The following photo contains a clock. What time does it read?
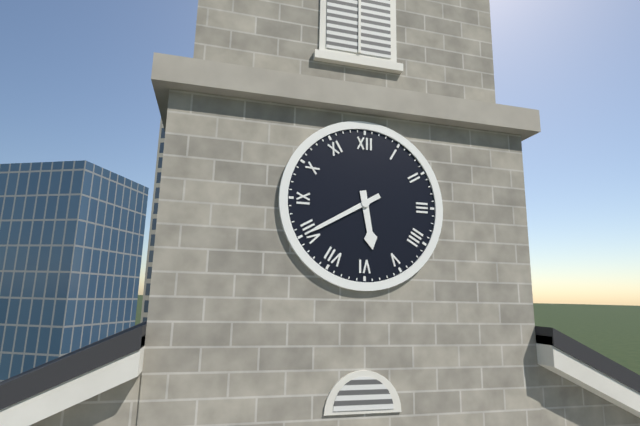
5:40
